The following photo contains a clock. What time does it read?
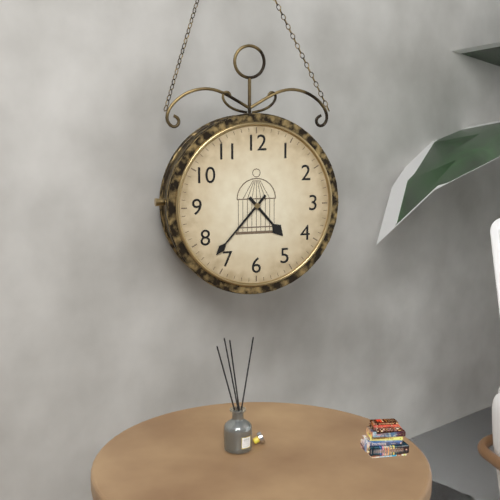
4:37
